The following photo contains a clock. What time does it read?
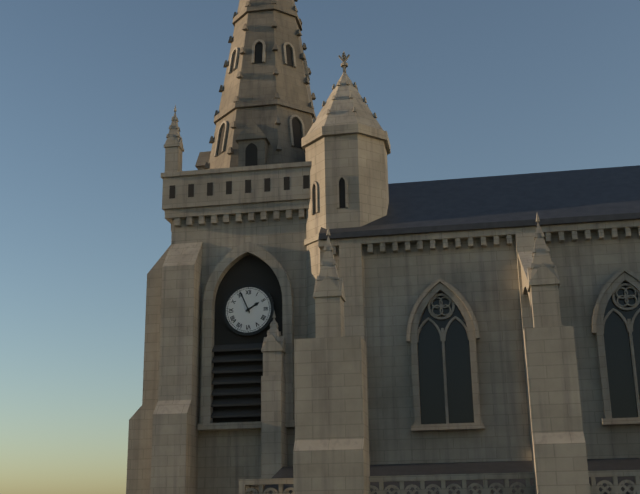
1:56
